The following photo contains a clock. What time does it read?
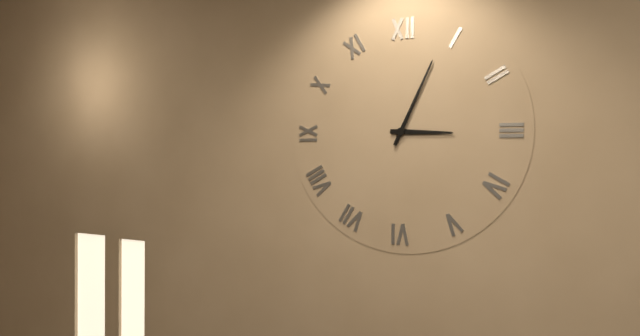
3:04
